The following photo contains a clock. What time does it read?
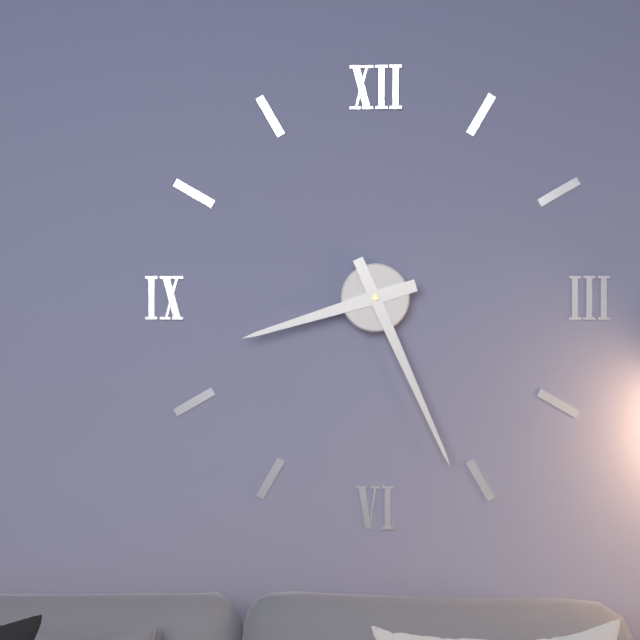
8:26
